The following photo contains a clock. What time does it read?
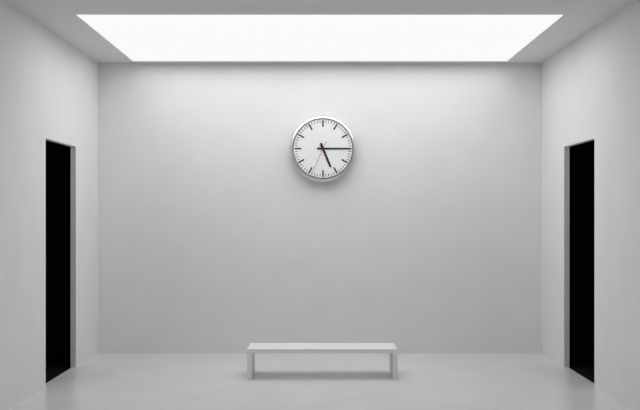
5:15
